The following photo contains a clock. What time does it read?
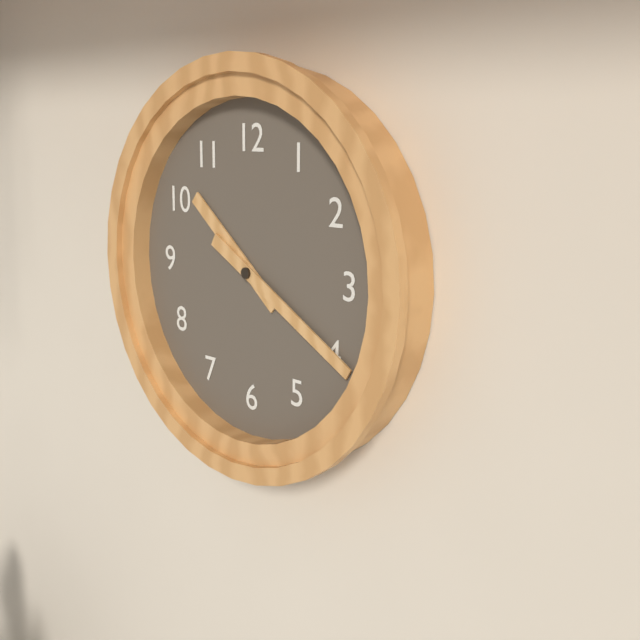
10:20
